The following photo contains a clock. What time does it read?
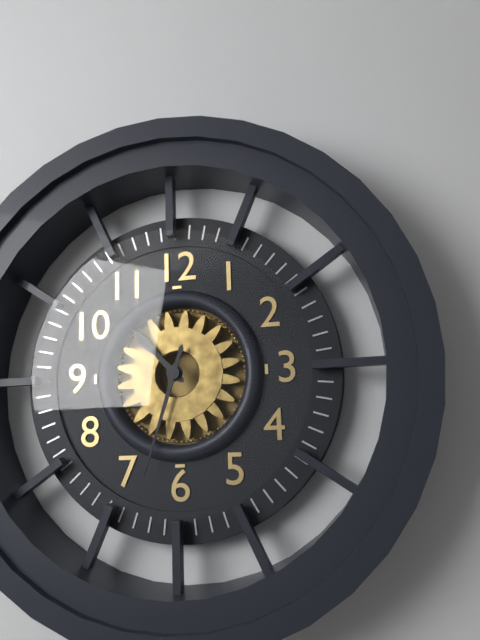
10:33
